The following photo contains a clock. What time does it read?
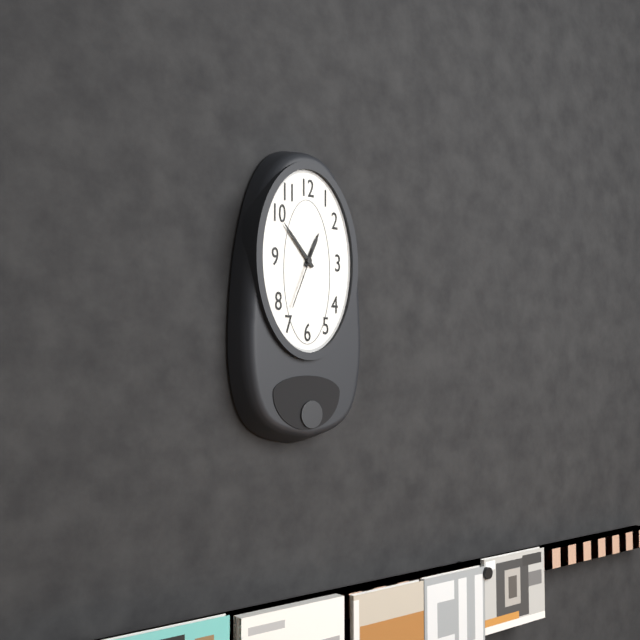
12:53:34
